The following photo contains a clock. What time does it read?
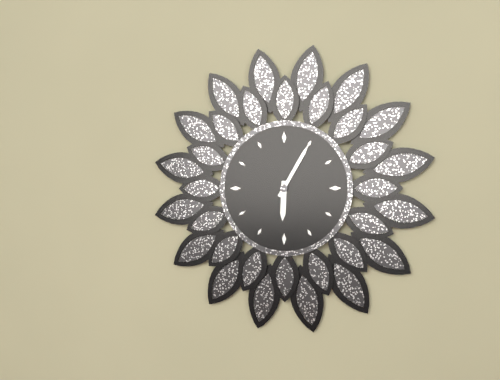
6:05
